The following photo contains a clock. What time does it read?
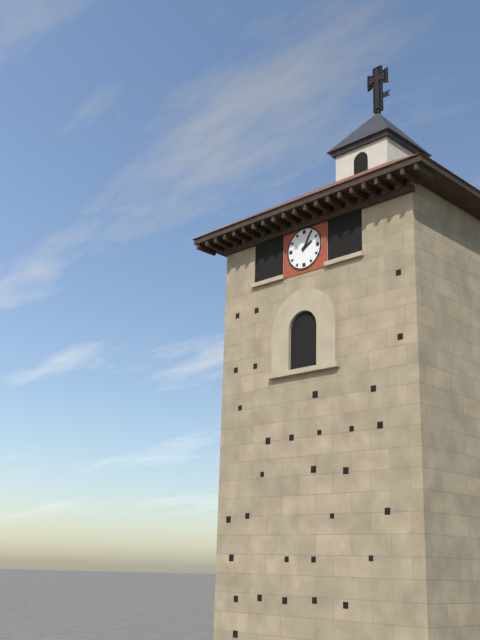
2:05
